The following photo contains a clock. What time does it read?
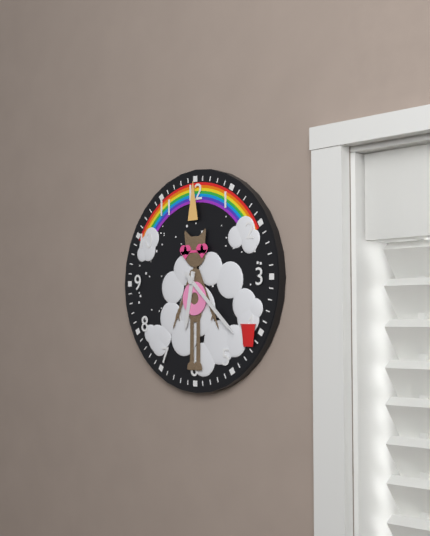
6:22
